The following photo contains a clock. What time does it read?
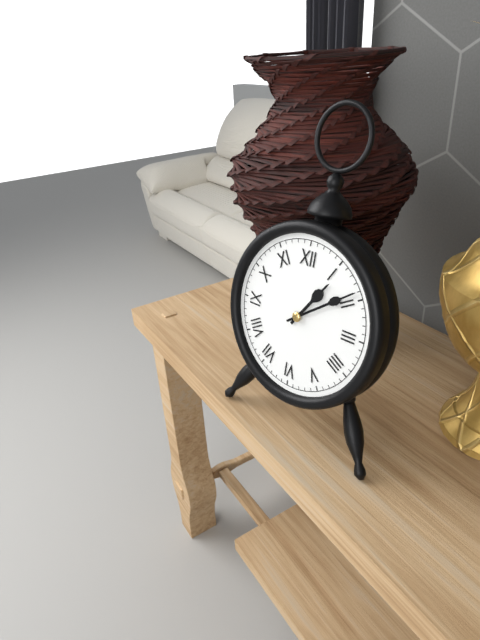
1:09
